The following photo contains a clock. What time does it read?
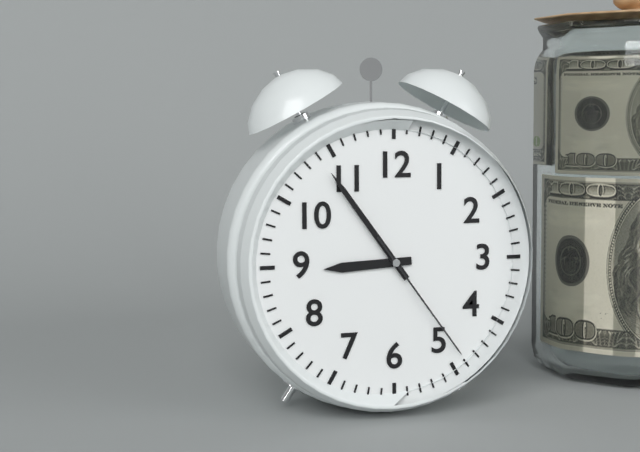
8:54:24
